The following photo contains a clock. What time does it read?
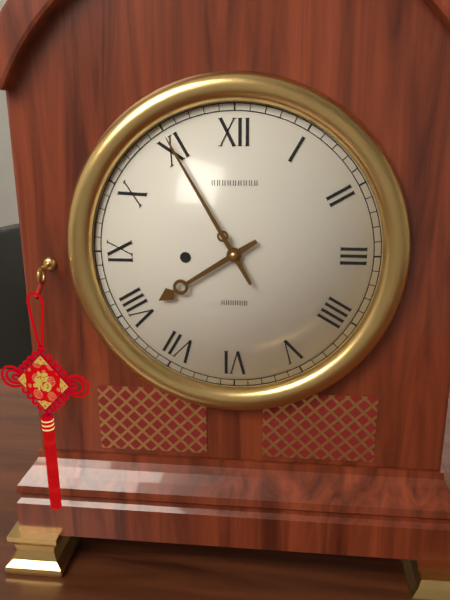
7:55
